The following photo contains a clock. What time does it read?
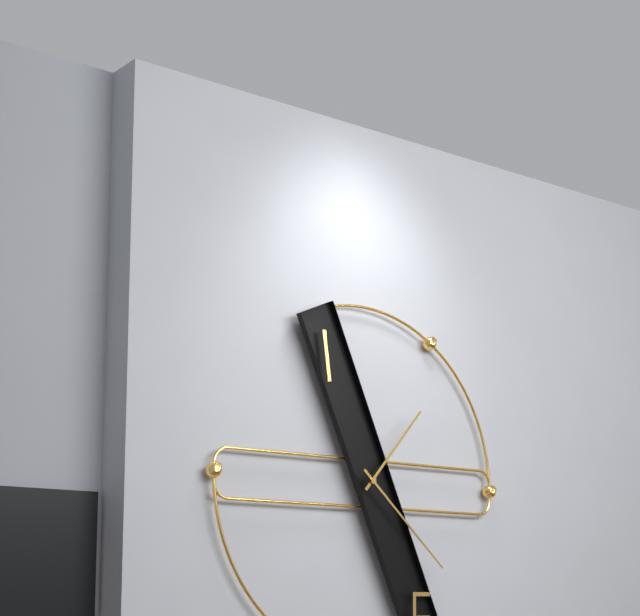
1:22
